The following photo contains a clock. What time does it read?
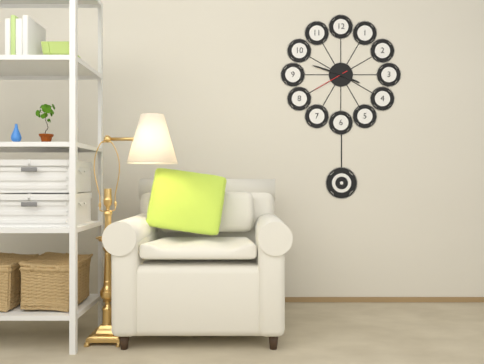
3:48
